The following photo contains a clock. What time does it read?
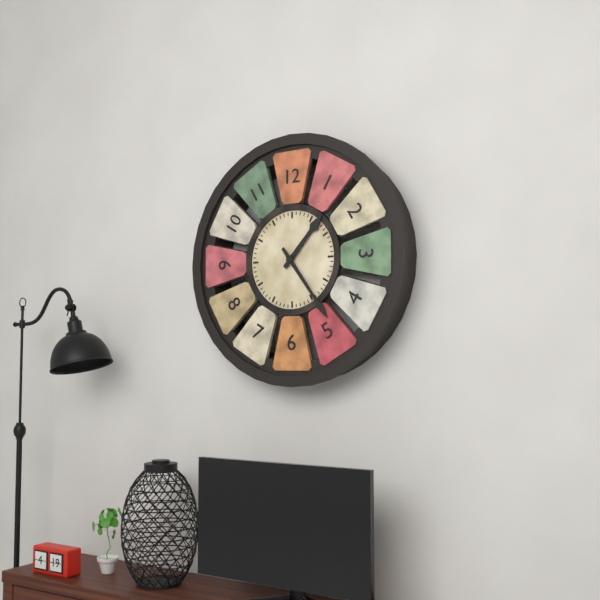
1:24
